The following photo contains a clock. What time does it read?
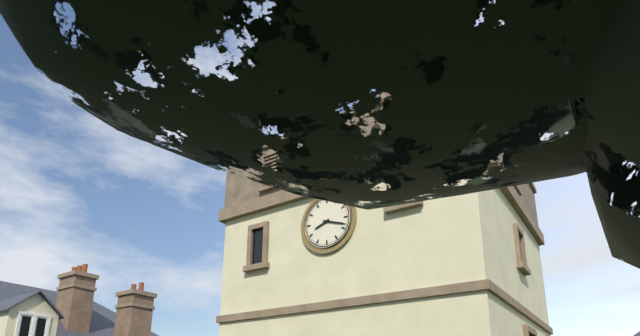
8:18
